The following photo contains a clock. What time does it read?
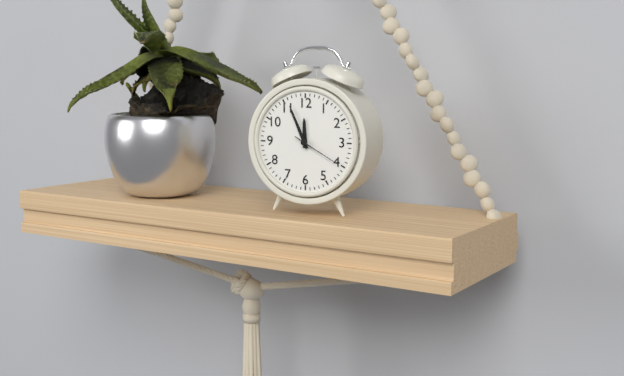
11:56:20
